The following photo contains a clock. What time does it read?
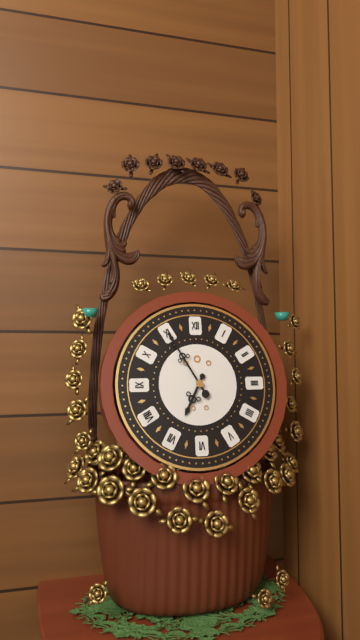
6:55
